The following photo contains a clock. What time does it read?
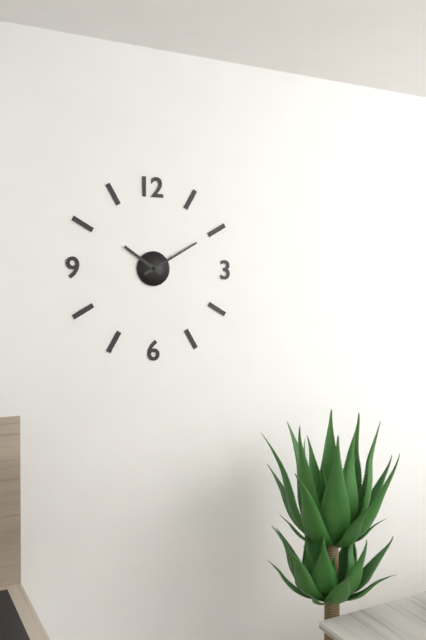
10:10
